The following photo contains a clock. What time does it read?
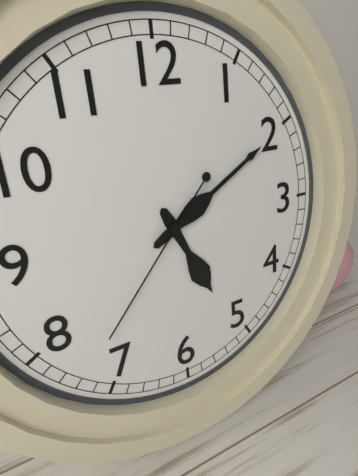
5:10:37
